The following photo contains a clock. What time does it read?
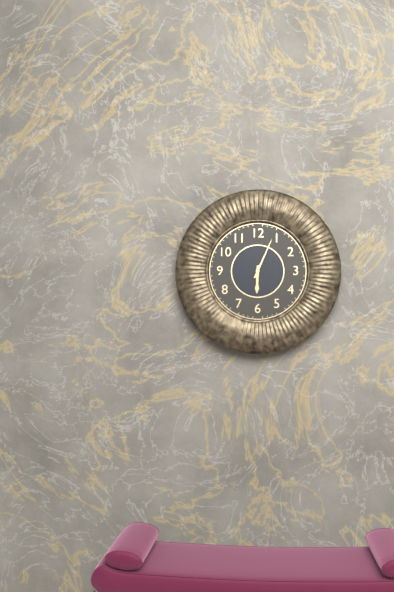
6:04
